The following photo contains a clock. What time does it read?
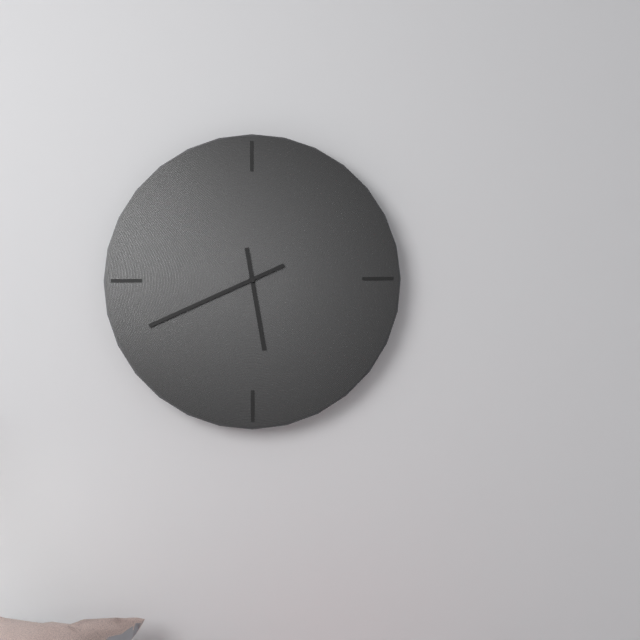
5:41
